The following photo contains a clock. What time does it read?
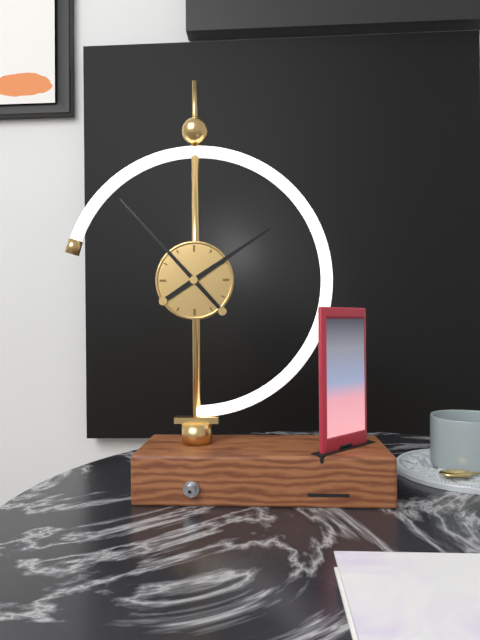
1:53
